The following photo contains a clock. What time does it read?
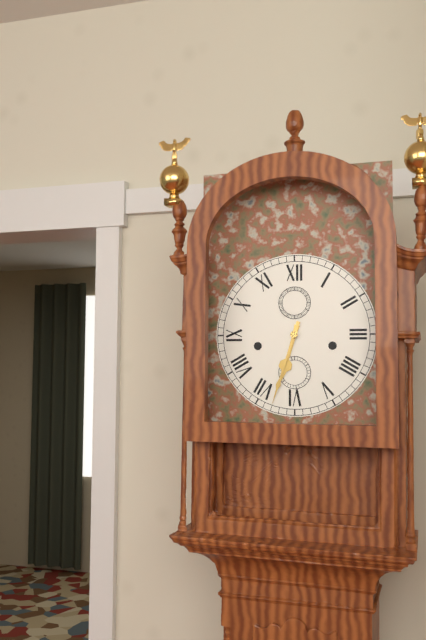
6:33
